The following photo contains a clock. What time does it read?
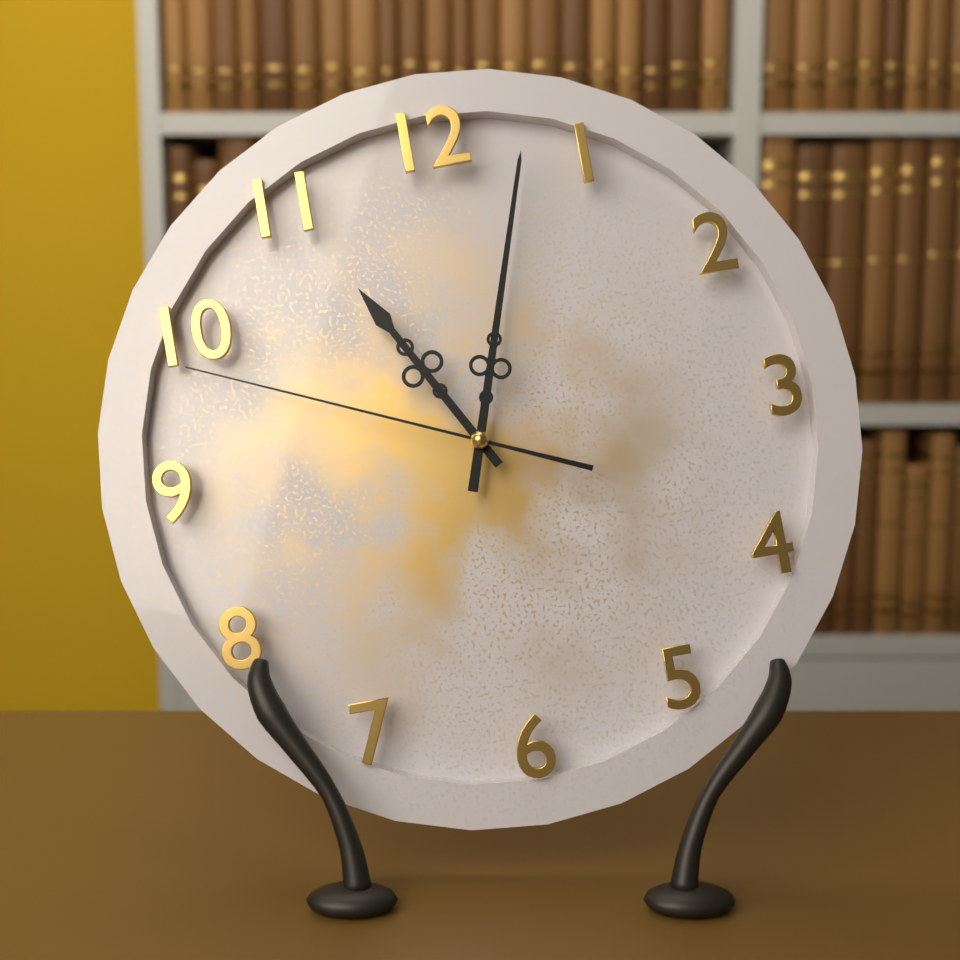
11:03:49
